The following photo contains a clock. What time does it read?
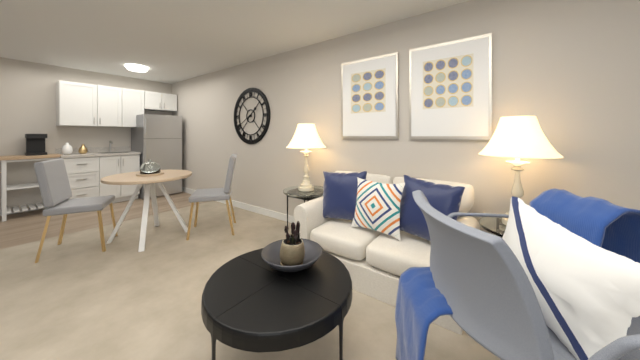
1:40
